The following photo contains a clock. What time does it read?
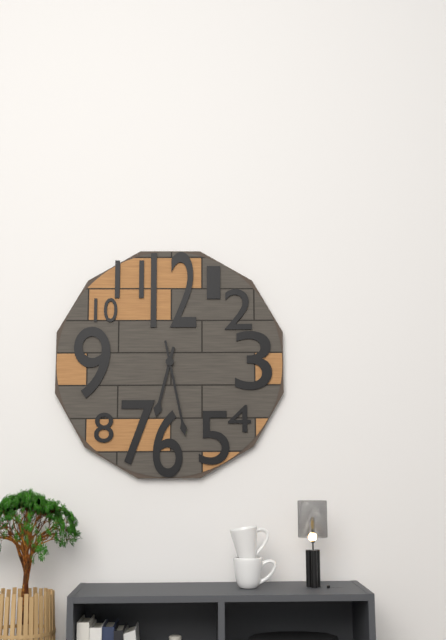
6:28
